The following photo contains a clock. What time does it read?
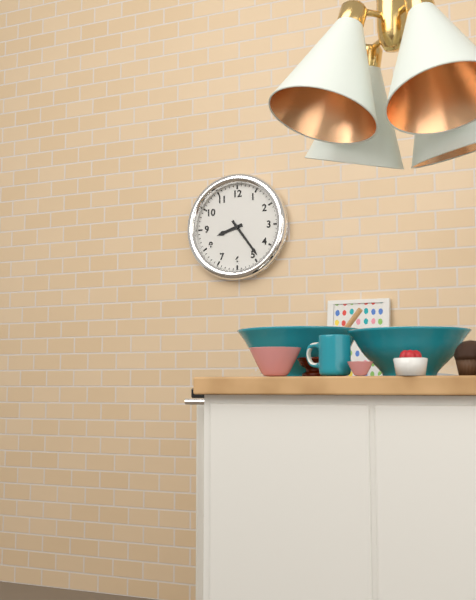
8:24
